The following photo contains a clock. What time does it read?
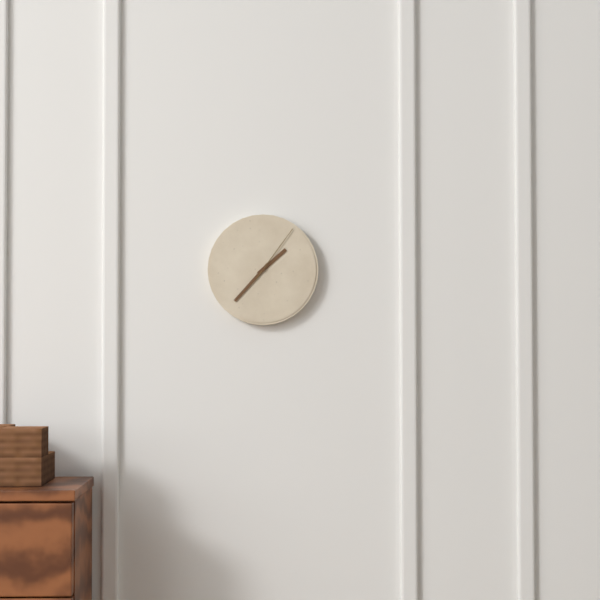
1:37:06
